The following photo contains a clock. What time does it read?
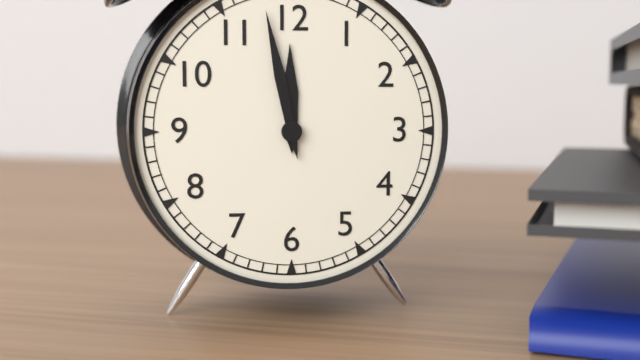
11:58
